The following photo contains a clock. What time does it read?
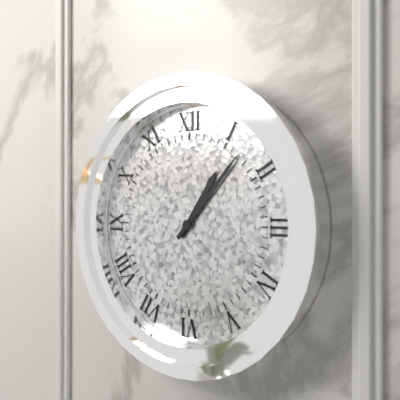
1:07
